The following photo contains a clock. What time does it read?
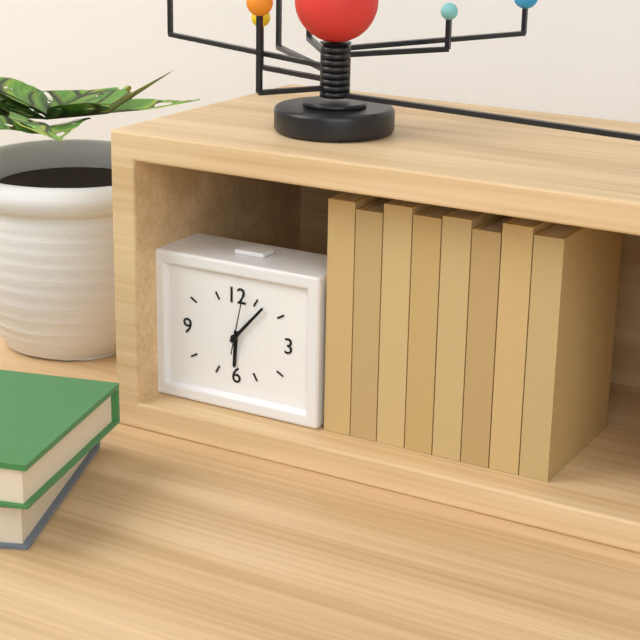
6:07:02
